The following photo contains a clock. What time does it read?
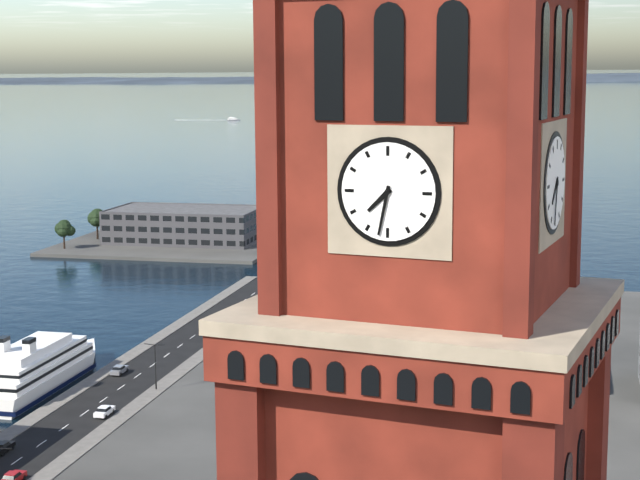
7:32
